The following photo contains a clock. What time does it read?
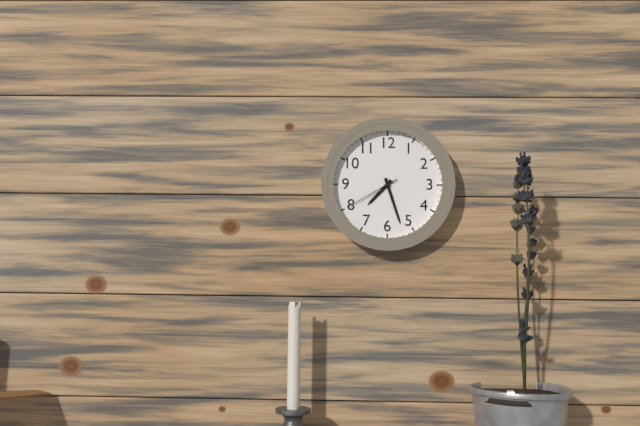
7:27:40
